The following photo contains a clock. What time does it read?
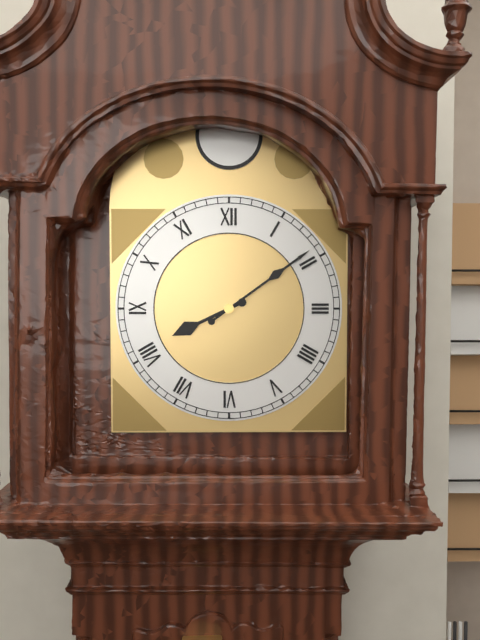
8:09
